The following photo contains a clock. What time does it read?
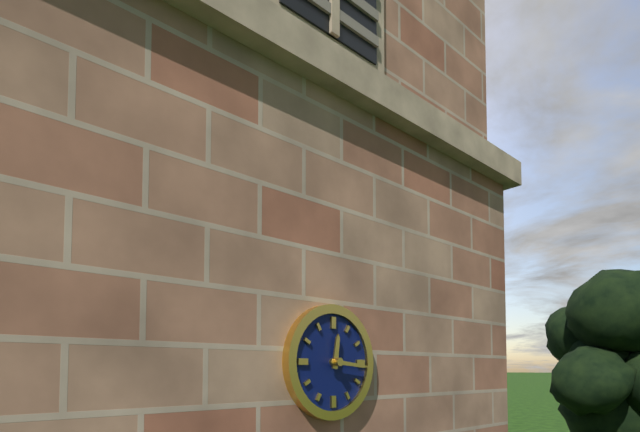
12:16
